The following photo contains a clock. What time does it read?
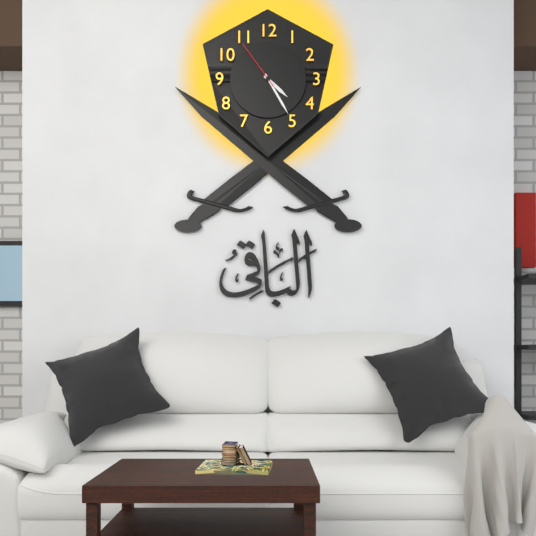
4:25:54
